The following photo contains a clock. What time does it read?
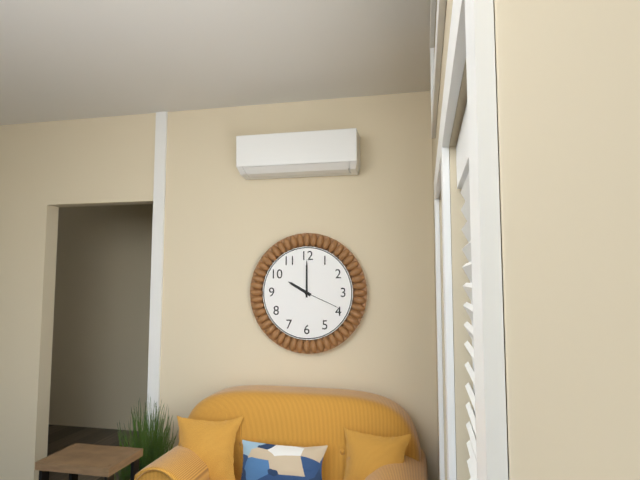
10:00
